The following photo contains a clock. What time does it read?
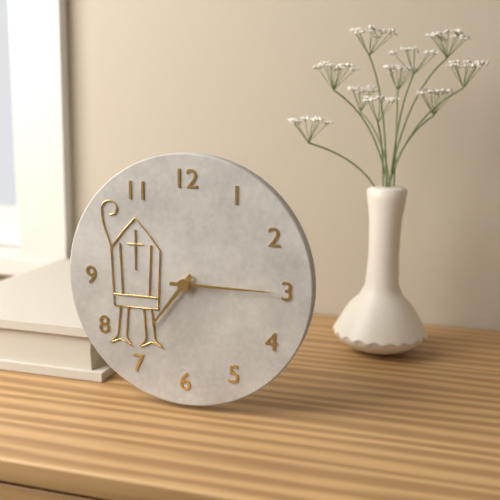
7:15
